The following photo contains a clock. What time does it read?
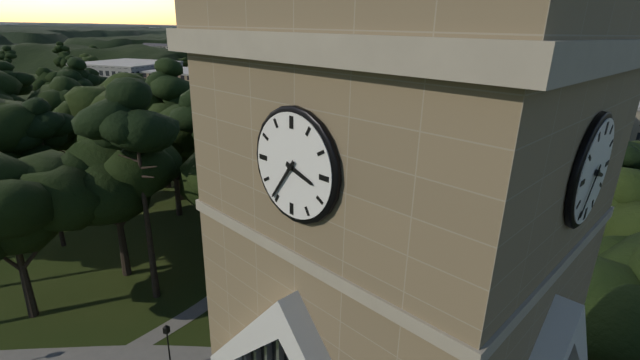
3:36
